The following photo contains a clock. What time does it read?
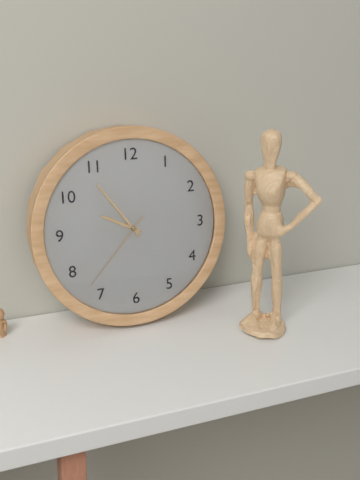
9:54:37
